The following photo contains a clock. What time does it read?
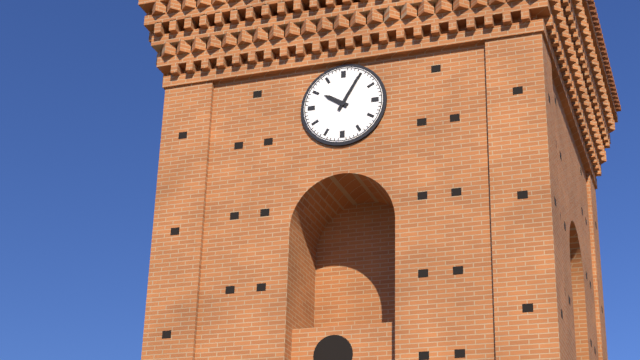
10:05
